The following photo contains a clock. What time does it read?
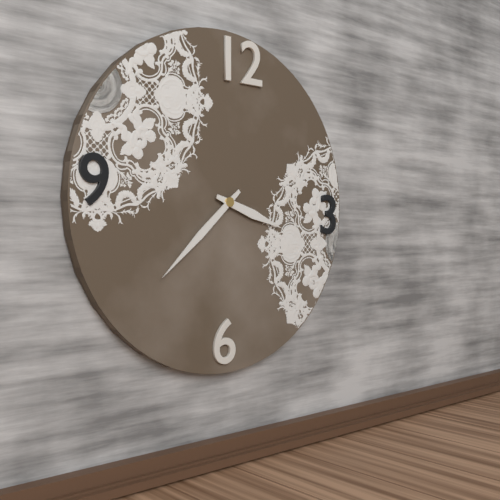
3:38
